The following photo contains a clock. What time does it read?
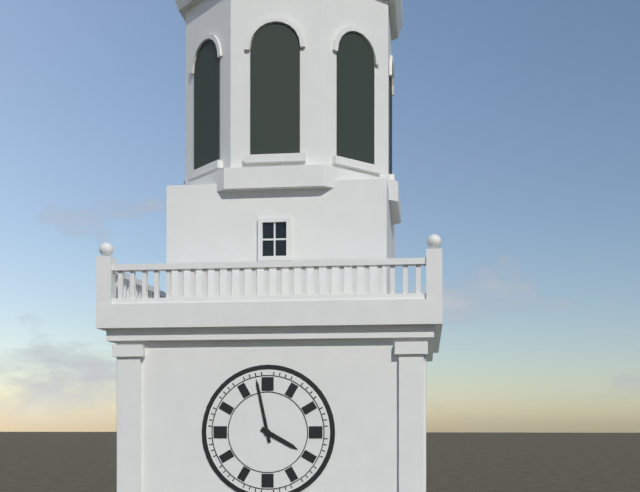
3:58
